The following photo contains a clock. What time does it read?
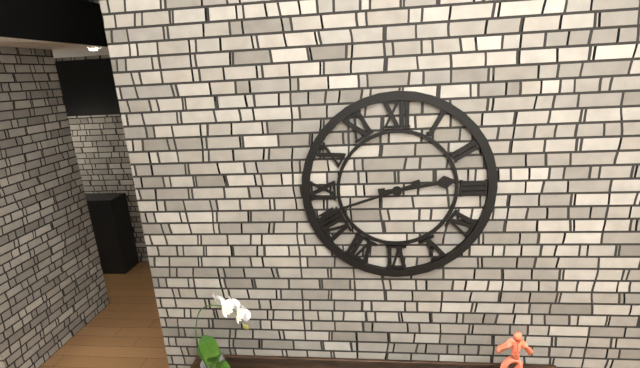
2:42
